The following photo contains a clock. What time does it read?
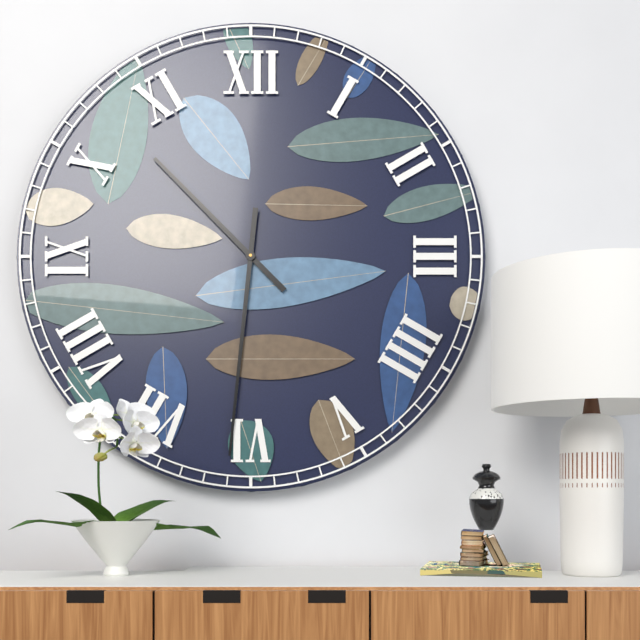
10:31
